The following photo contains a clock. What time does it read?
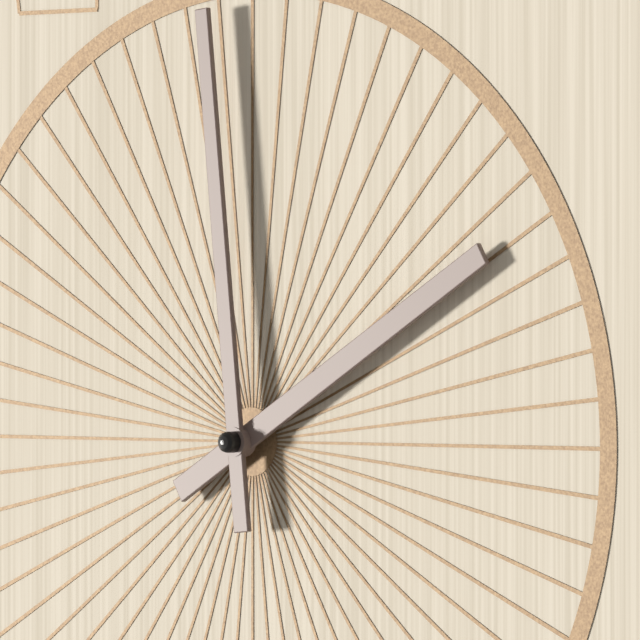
1:59
